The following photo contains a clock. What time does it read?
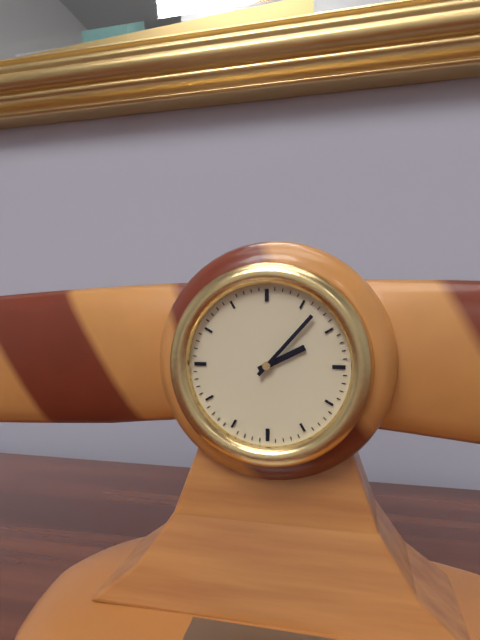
2:07
